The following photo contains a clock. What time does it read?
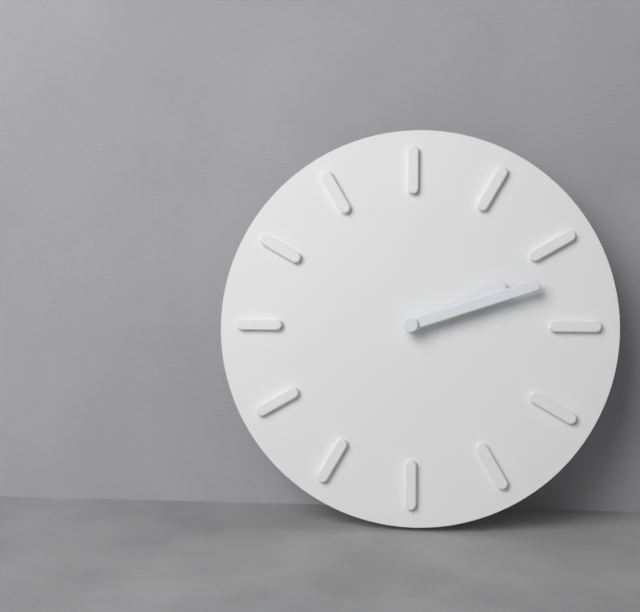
2:12
